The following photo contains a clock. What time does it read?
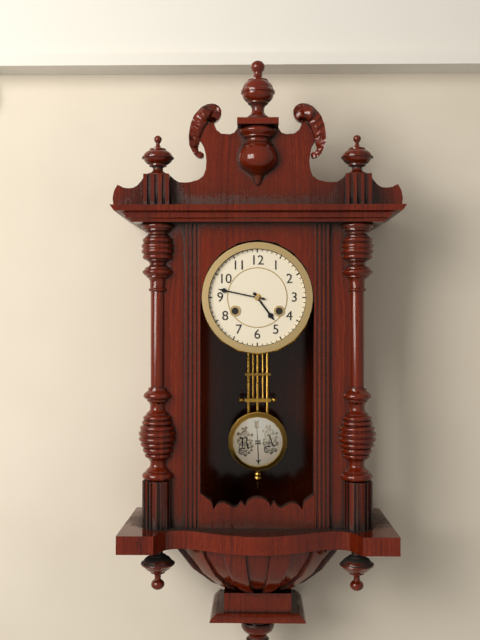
4:47
